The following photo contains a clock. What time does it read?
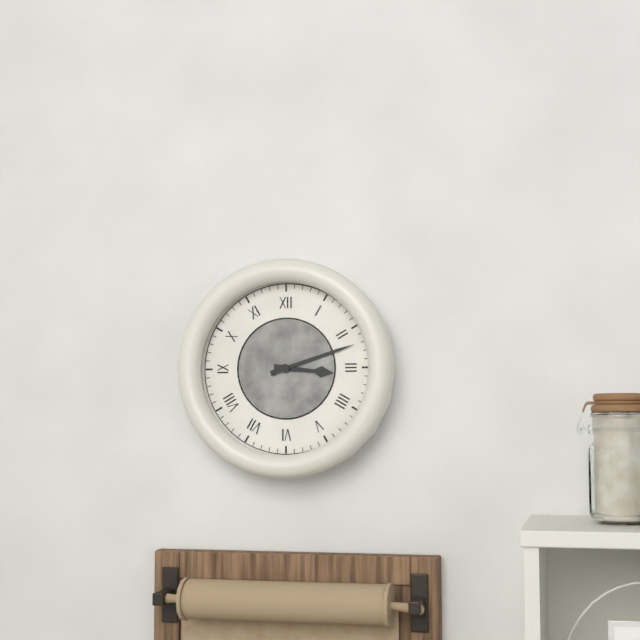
3:12
